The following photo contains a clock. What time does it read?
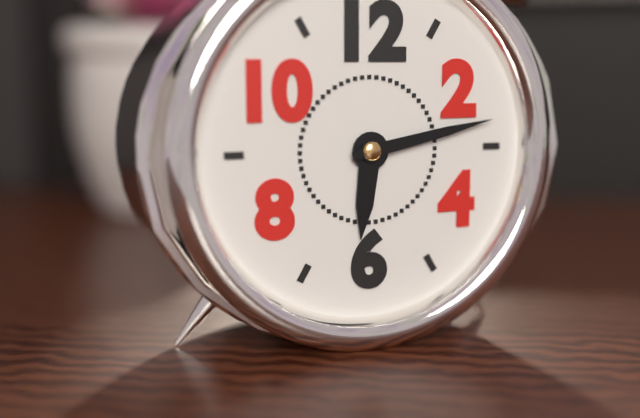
6:13
